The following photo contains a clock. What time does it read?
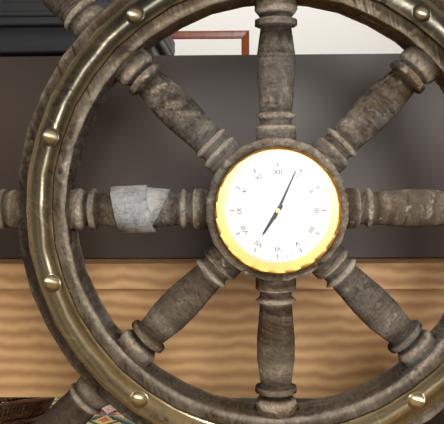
7:04
